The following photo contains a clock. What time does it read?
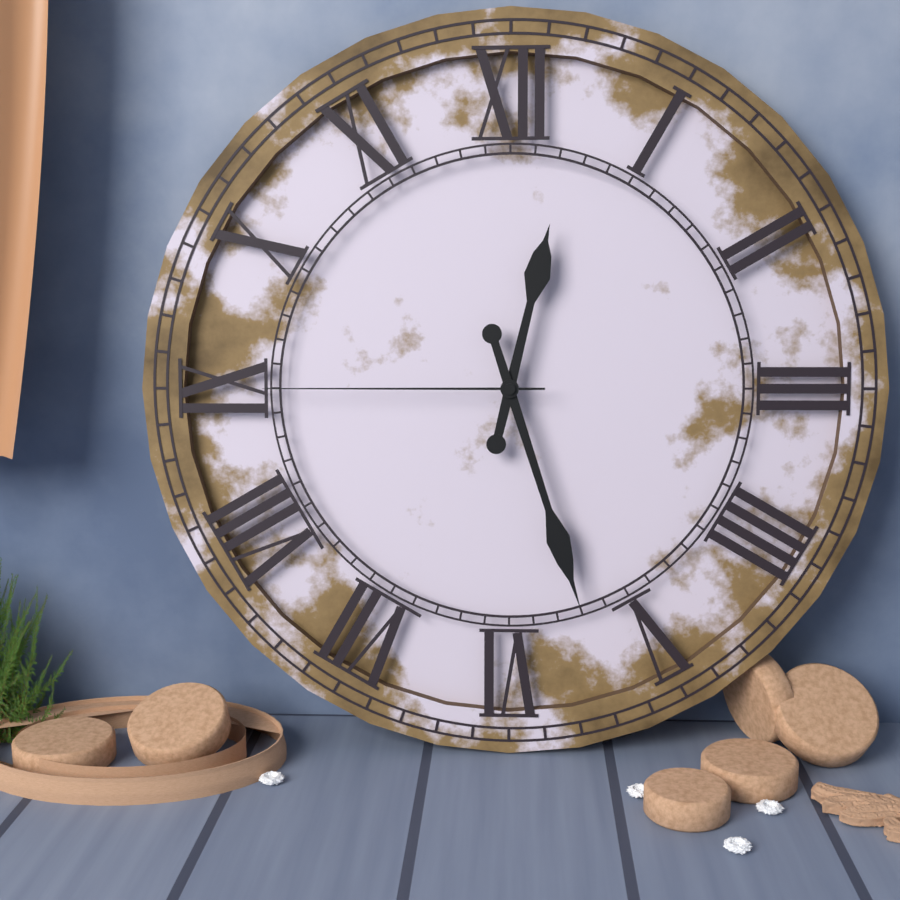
12:27:45
